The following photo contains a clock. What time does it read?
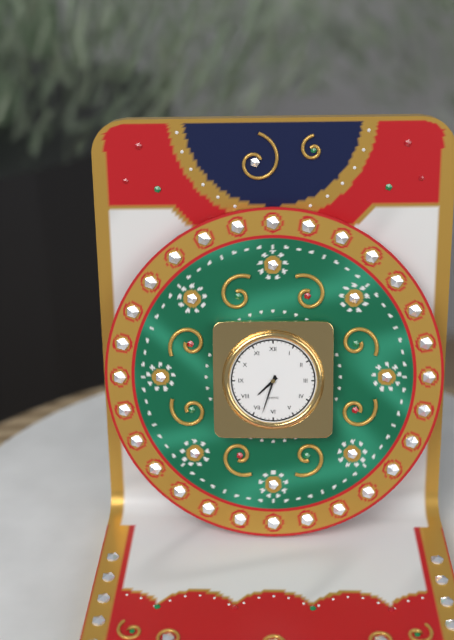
7:33
